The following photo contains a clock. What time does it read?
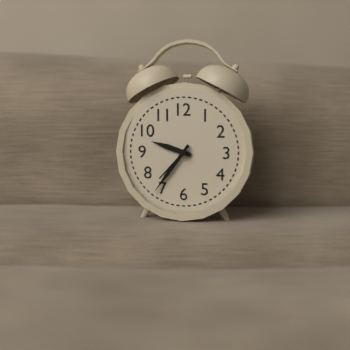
9:36
